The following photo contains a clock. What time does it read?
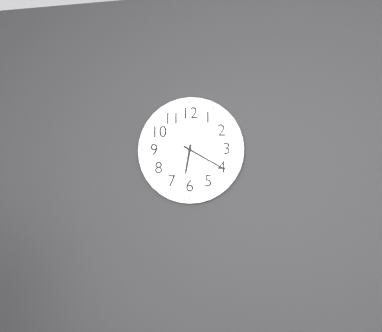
6:20
